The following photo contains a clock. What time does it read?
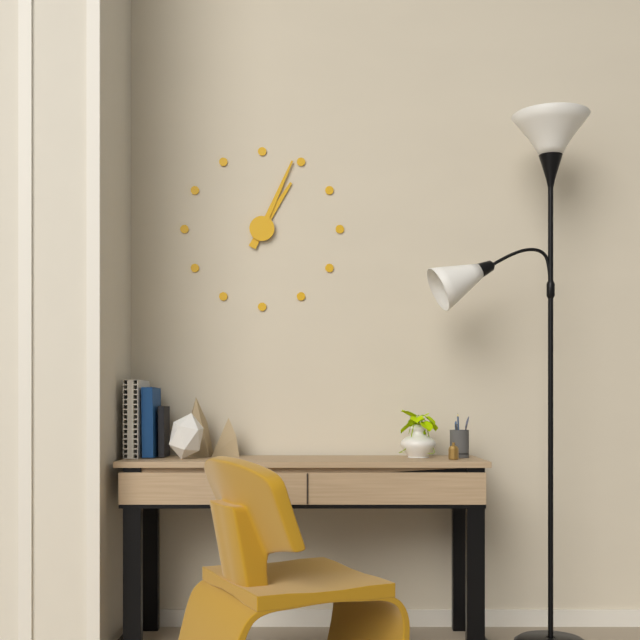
1:04
